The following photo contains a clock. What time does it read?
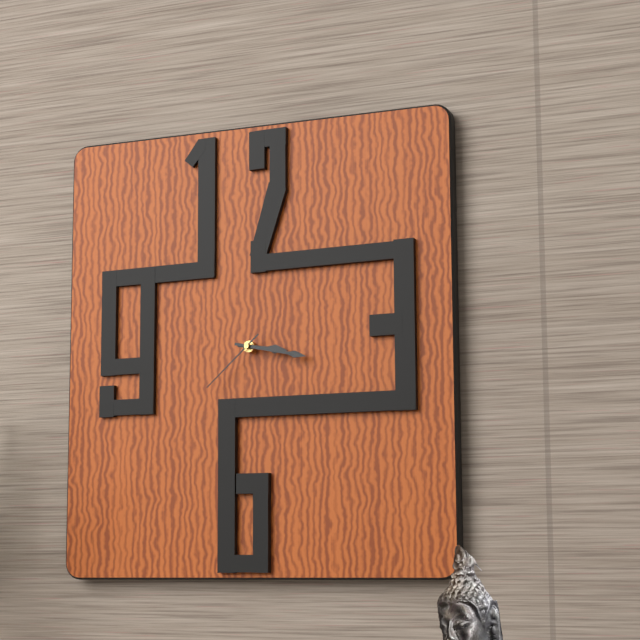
3:17:38
